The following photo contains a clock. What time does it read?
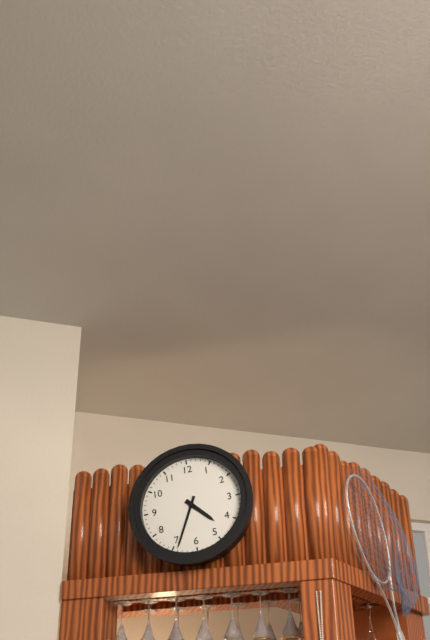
4:34
